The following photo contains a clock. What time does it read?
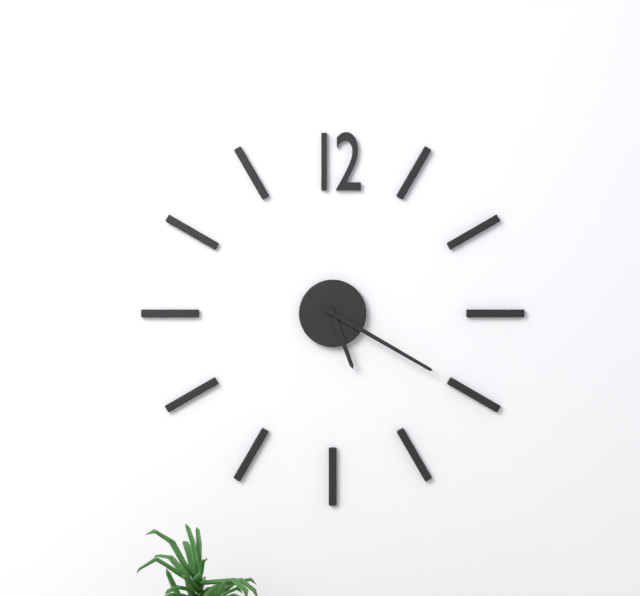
5:20
